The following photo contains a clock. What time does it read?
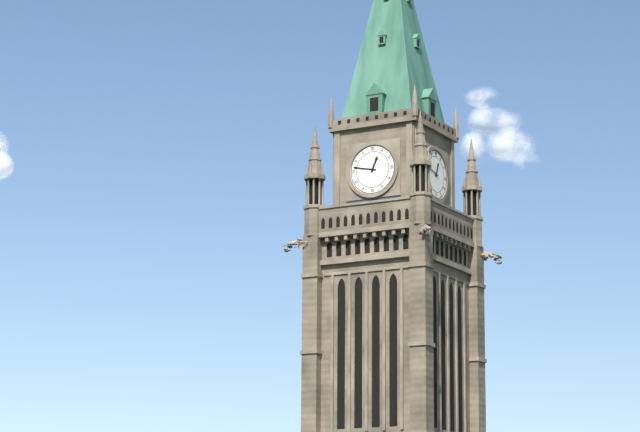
12:47
